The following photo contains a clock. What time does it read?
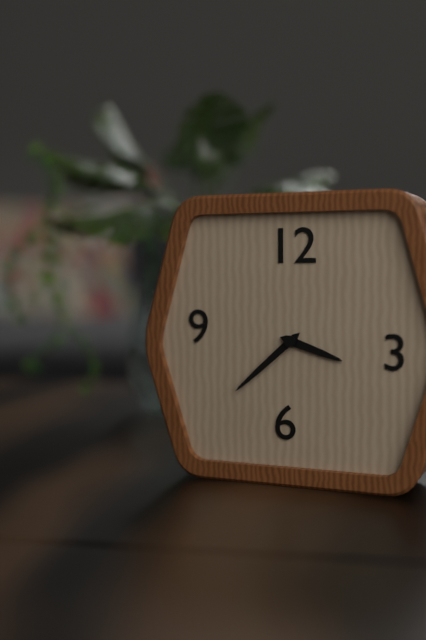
3:38
